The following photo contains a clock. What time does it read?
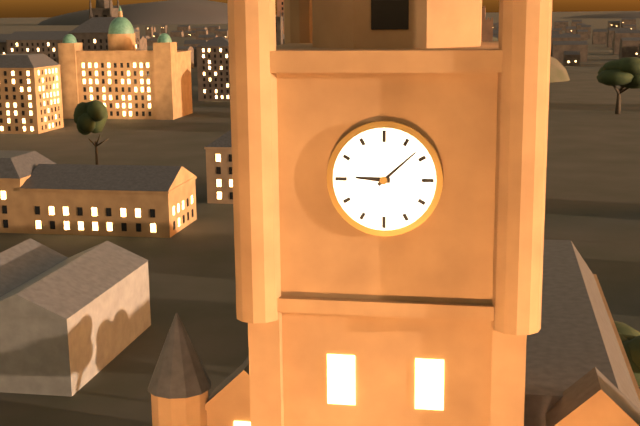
9:08
